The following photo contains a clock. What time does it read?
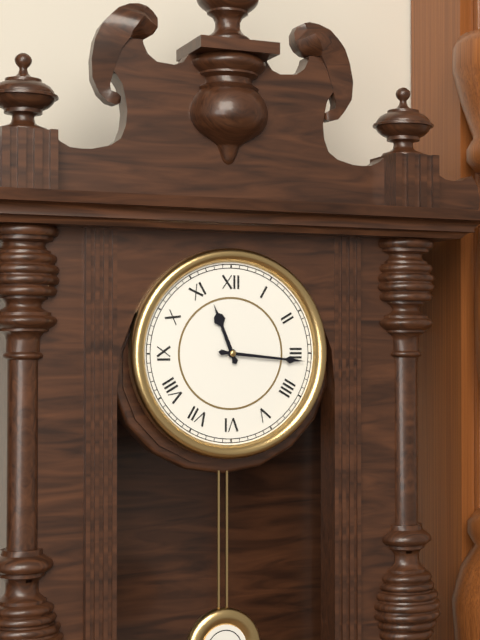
11:16
